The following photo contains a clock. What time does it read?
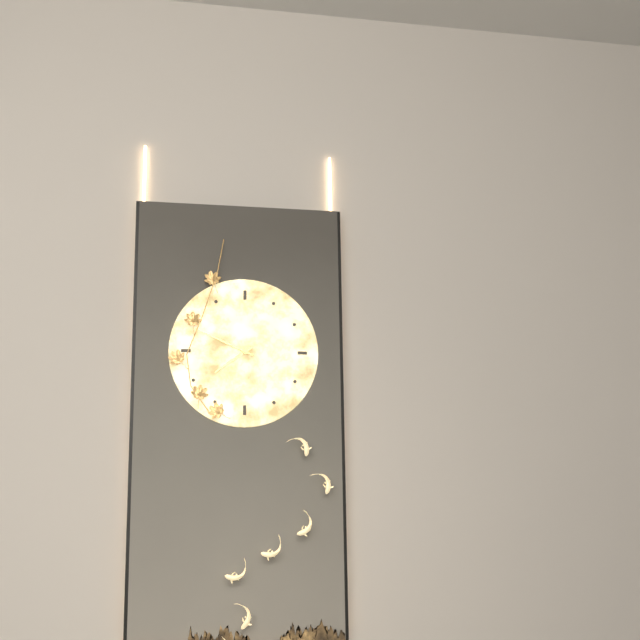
7:49
